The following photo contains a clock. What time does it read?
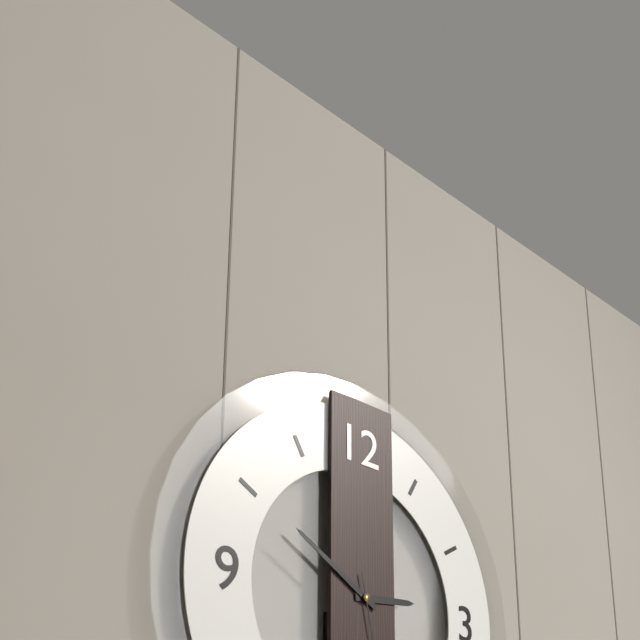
2:50
